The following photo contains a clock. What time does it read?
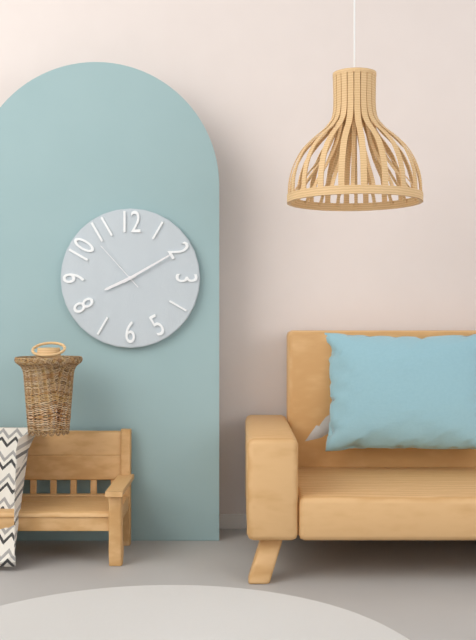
8:10:53
